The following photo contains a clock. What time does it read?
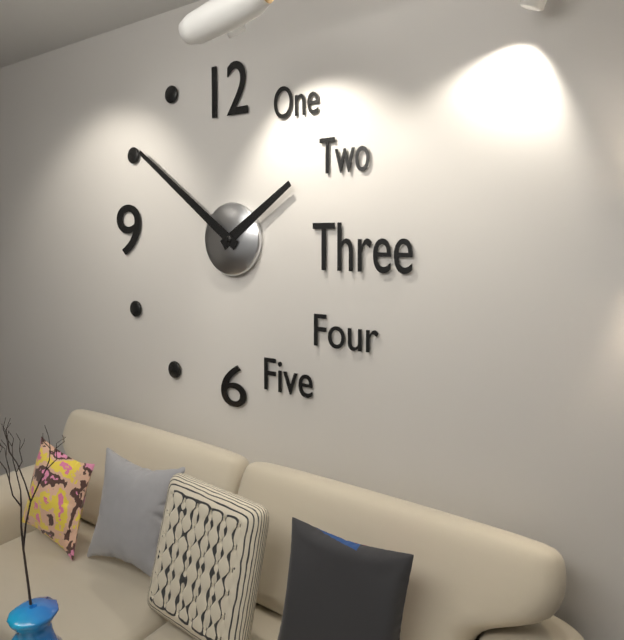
1:51
